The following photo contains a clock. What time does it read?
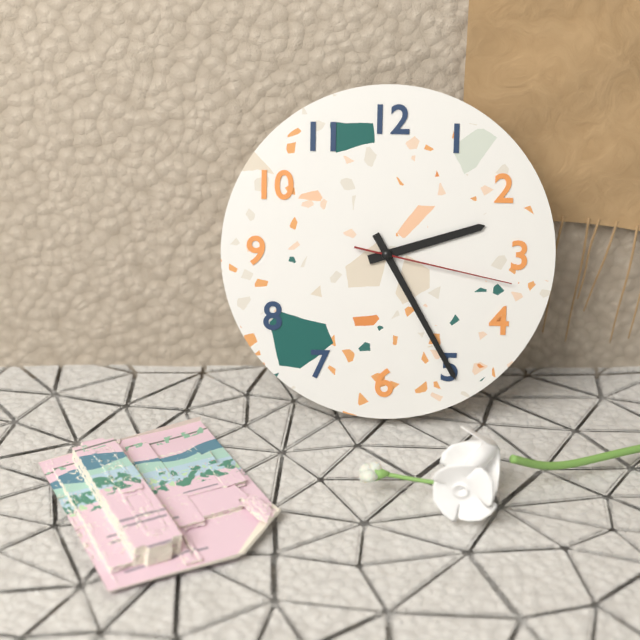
2:25:17
